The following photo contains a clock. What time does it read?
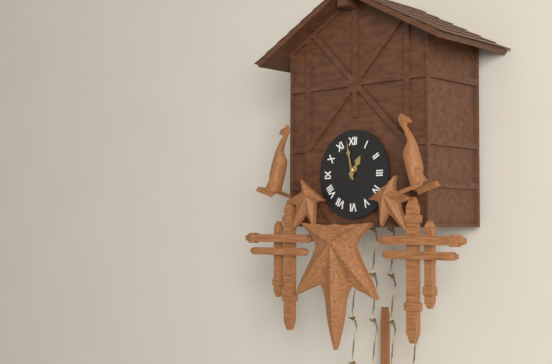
12:58
